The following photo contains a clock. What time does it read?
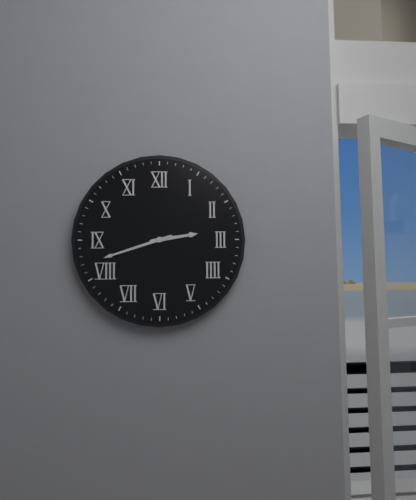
2:42
